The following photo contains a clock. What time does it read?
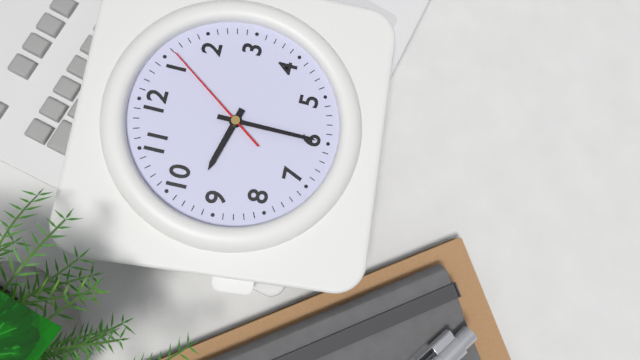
9:30:06
